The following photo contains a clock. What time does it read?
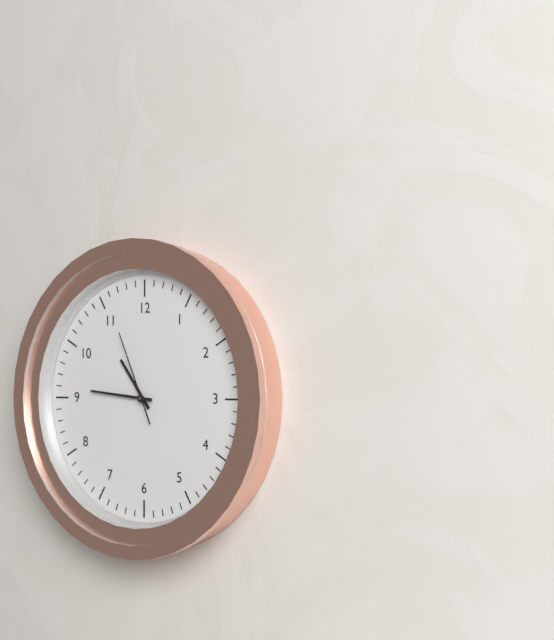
10:46:56
